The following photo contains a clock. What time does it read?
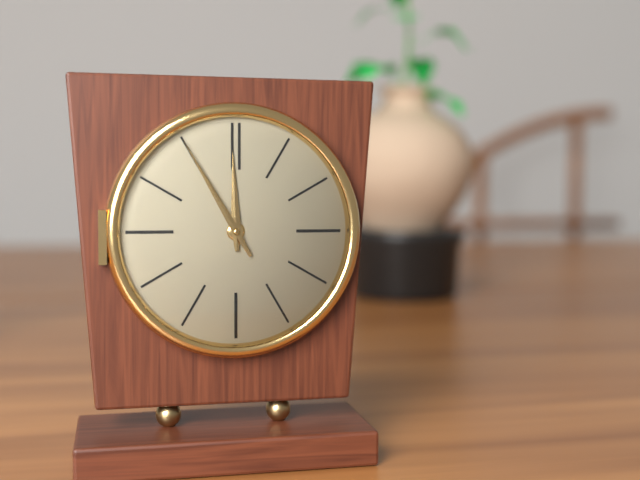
11:55
